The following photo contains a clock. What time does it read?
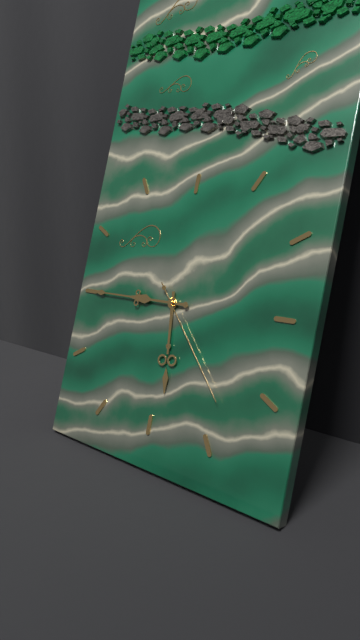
5:45:23
